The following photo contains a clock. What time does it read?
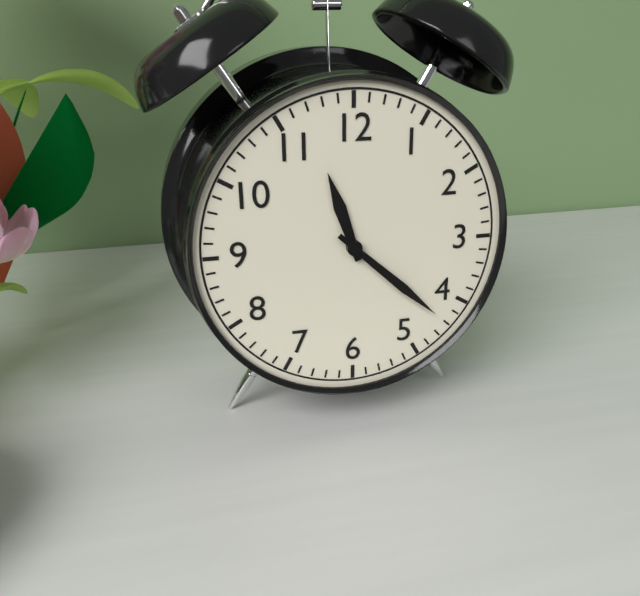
11:22
